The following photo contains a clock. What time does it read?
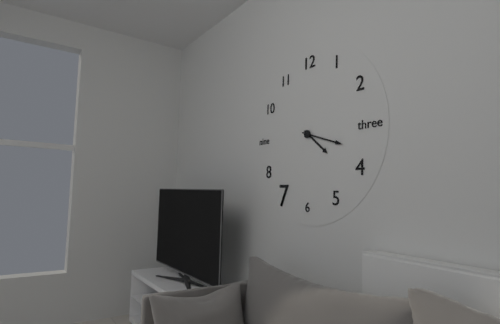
4:18
